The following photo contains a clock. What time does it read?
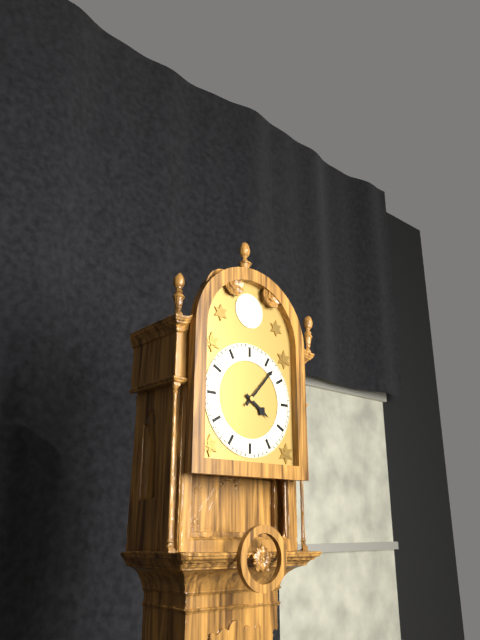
4:07
